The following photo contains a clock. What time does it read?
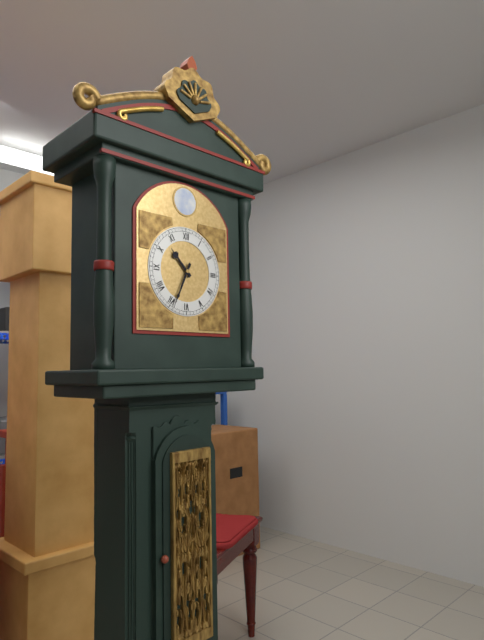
10:34
